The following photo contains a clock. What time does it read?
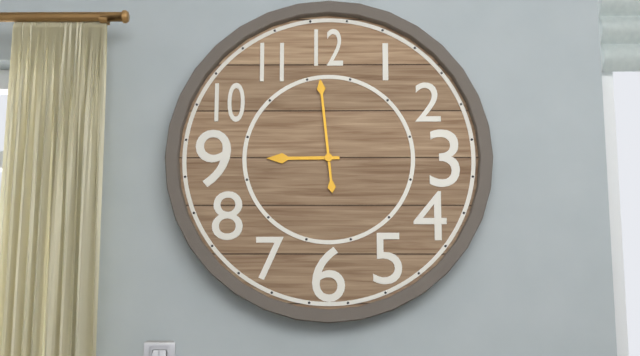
8:59
